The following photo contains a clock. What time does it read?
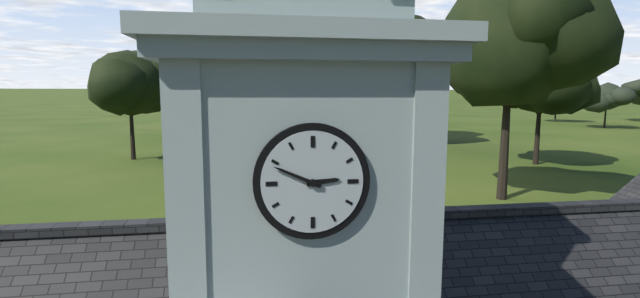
2:49
